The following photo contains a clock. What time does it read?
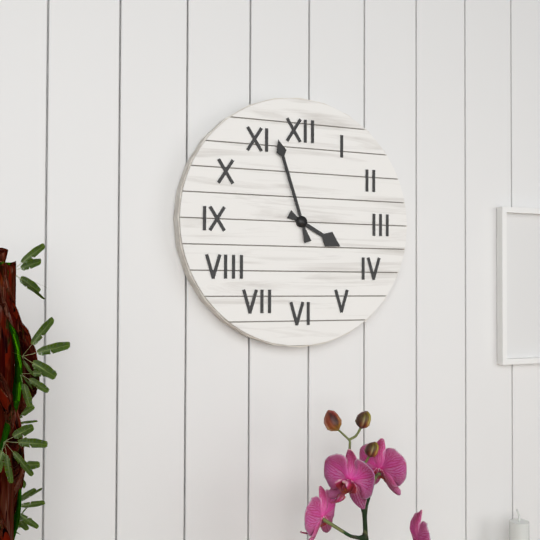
3:57
